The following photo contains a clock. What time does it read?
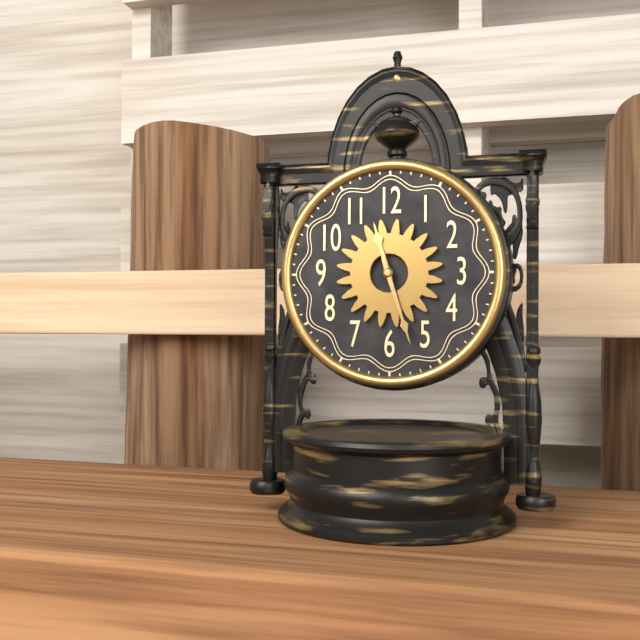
11:27
